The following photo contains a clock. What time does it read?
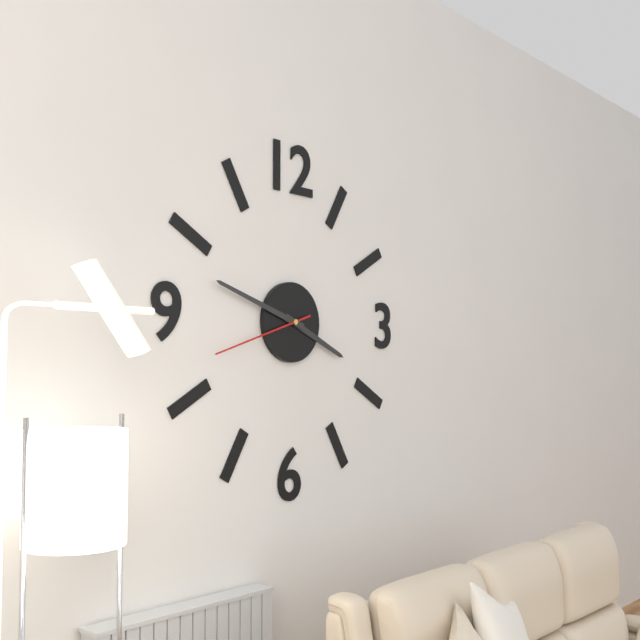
3:48:42
